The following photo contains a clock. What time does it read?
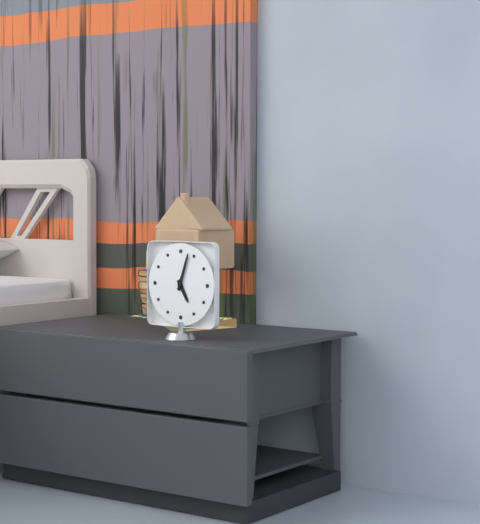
5:03
